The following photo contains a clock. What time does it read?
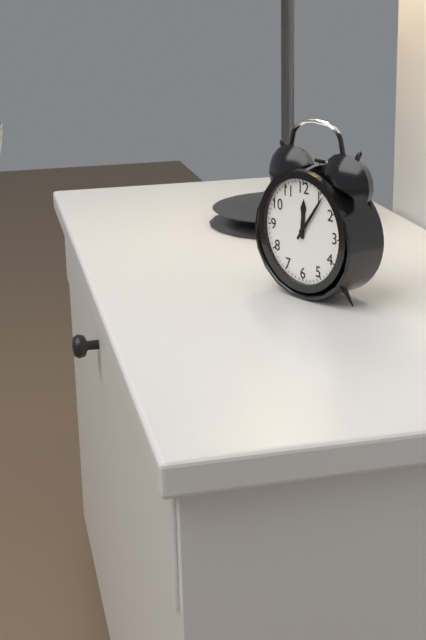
12:06
